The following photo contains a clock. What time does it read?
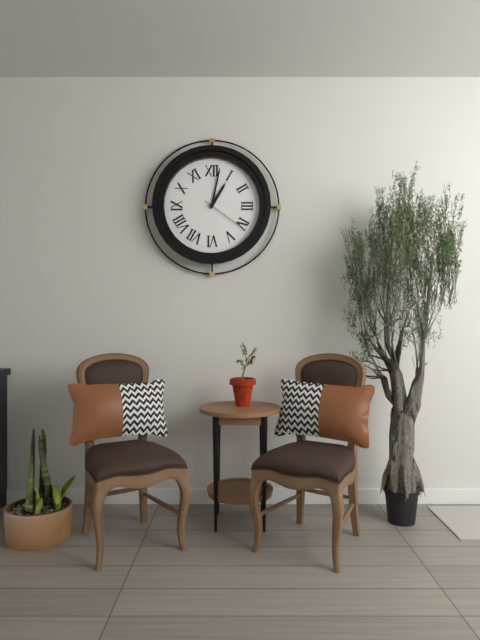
1:02:21
